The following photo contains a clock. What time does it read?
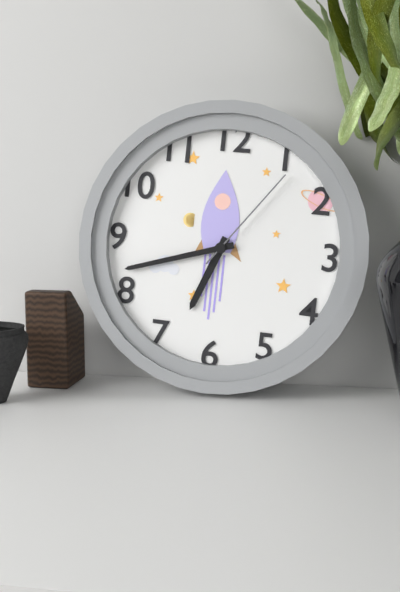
6:42:06
